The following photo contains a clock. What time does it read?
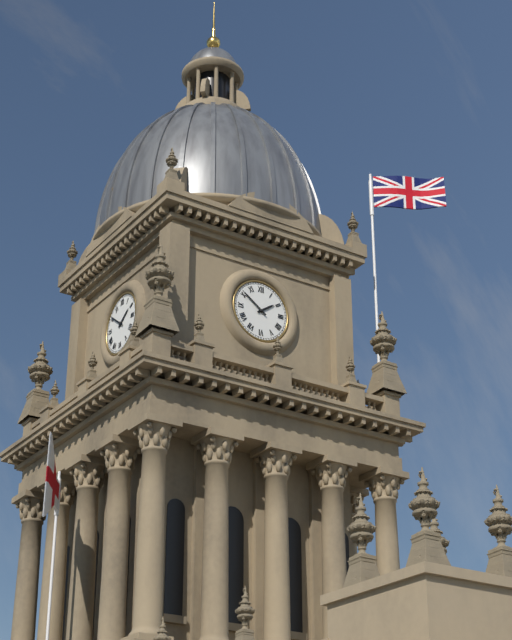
1:51
